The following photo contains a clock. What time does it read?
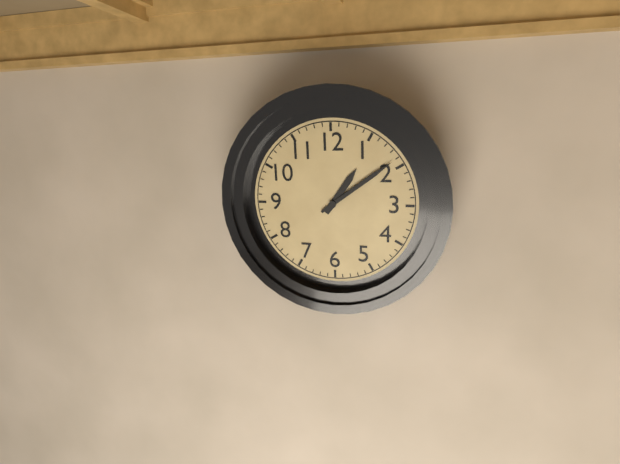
1:09
